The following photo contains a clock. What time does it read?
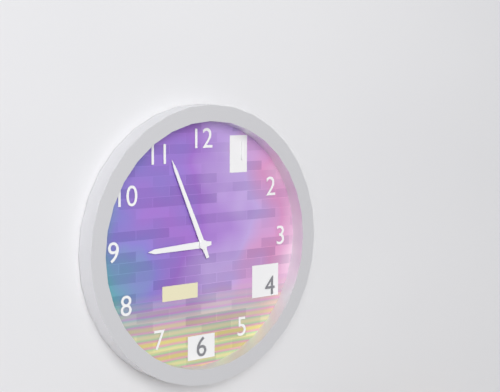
8:56
